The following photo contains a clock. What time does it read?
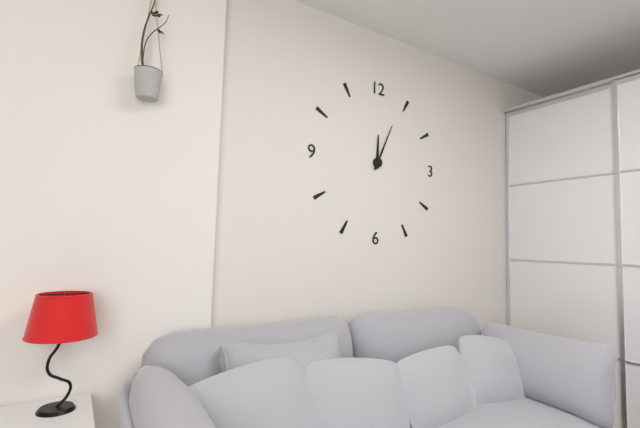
12:04
